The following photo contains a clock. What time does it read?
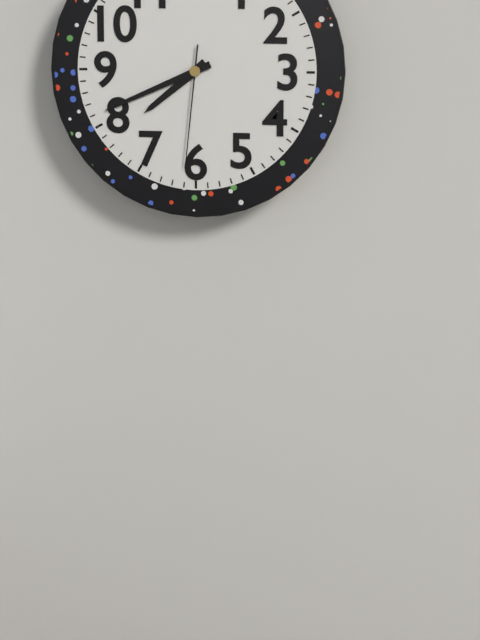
7:41:31
